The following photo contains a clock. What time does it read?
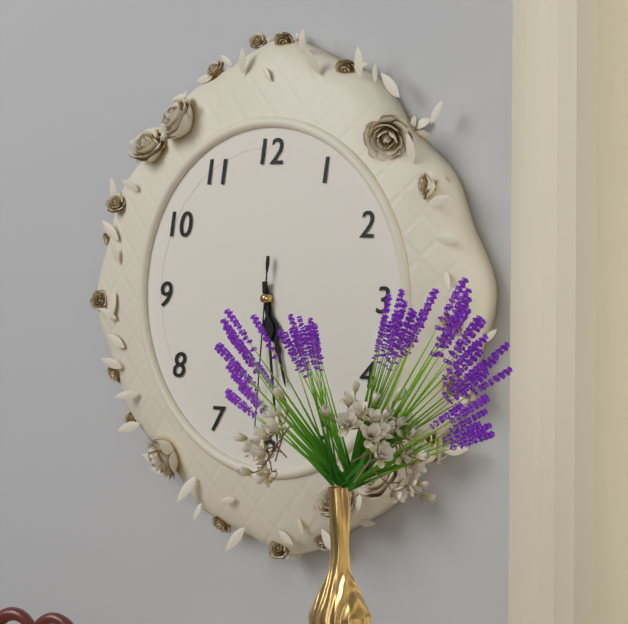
5:29:31
